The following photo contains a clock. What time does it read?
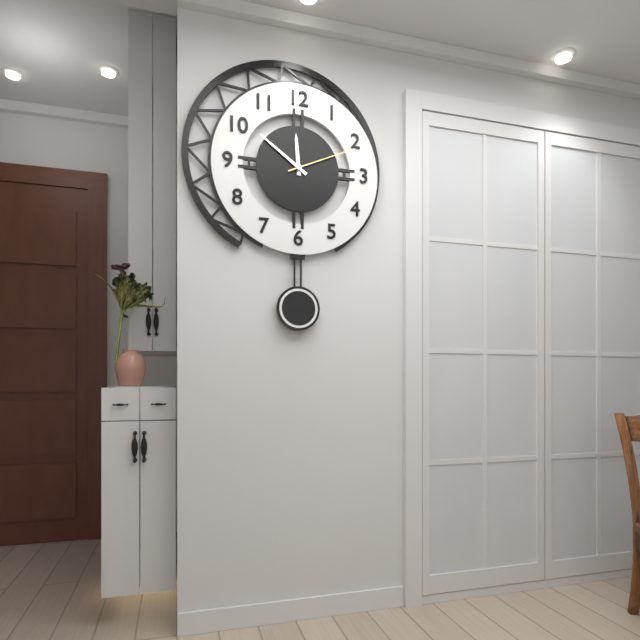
11:51:11
